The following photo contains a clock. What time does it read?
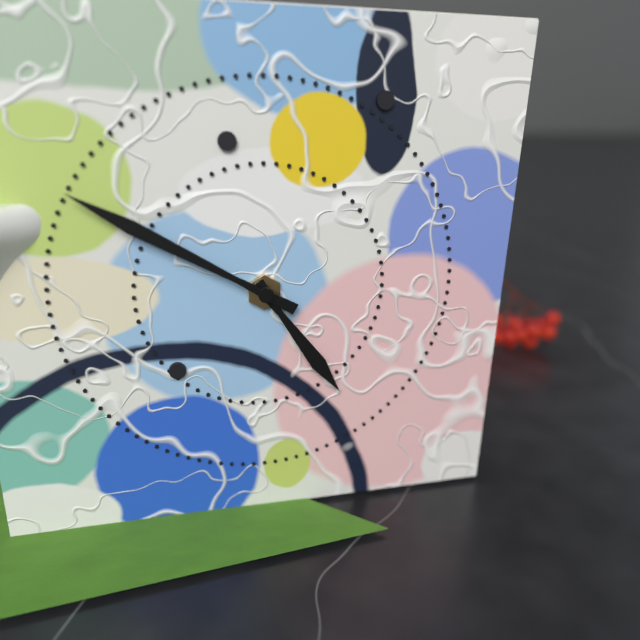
4:50
